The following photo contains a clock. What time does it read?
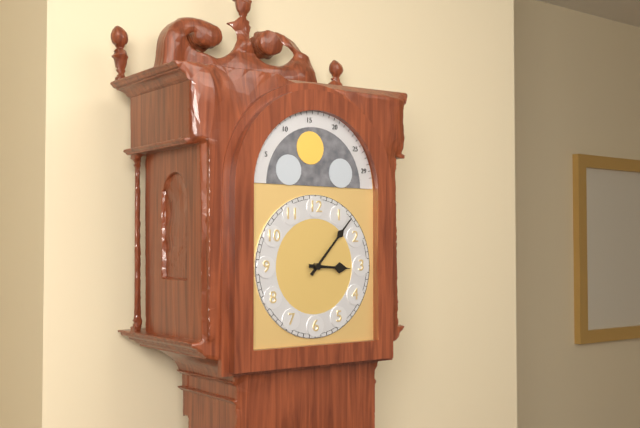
3:07
